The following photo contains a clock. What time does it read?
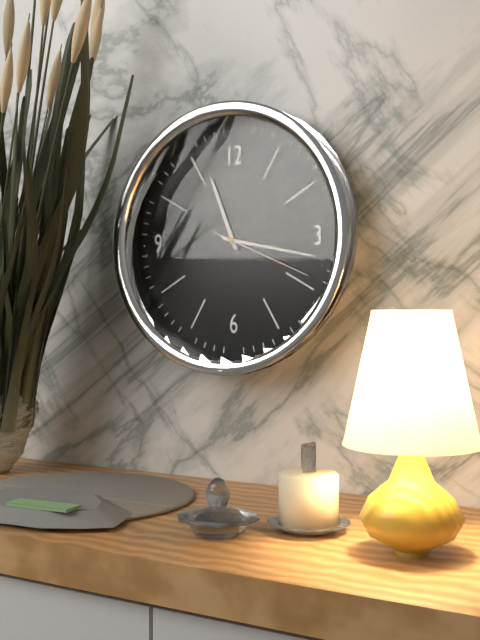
11:17:19
